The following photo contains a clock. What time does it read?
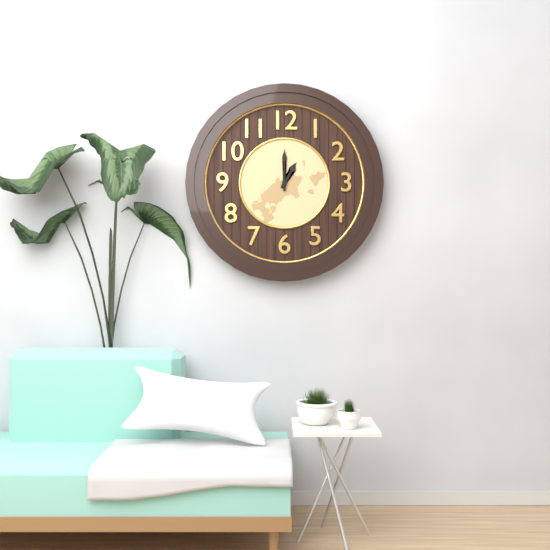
1:00
